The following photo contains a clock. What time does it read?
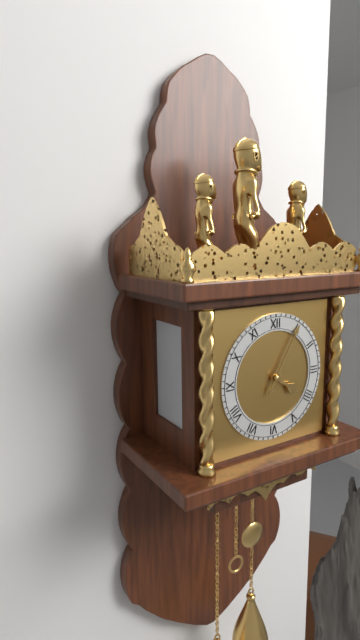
4:05
